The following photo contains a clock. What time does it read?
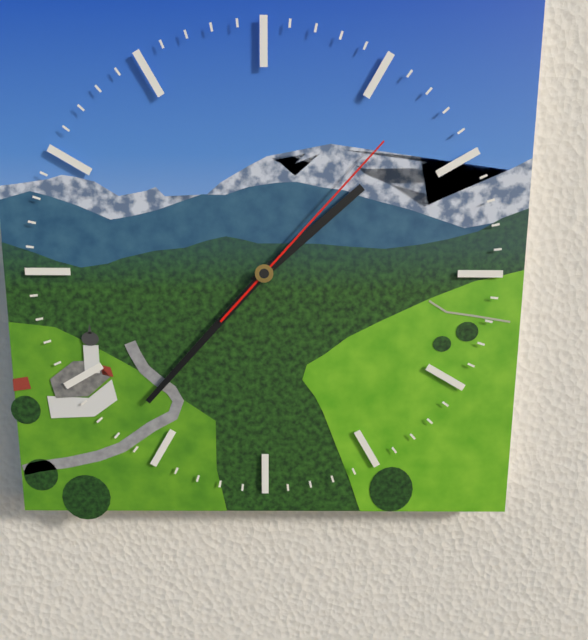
1:37:07
